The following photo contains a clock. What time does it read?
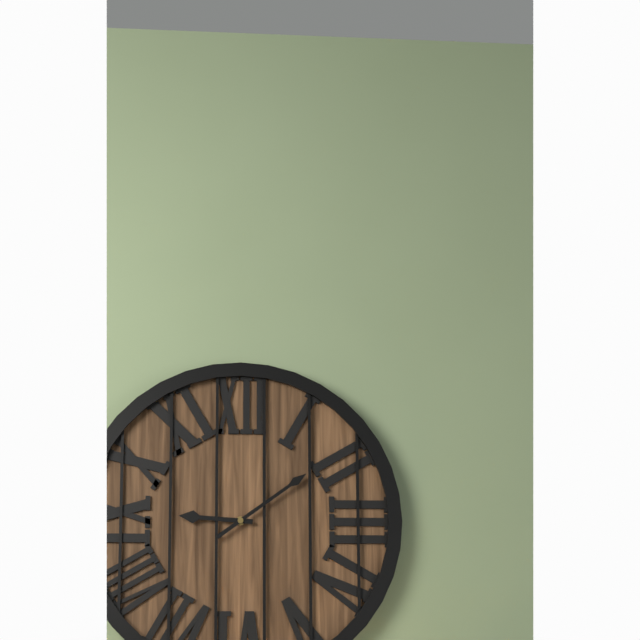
9:09
